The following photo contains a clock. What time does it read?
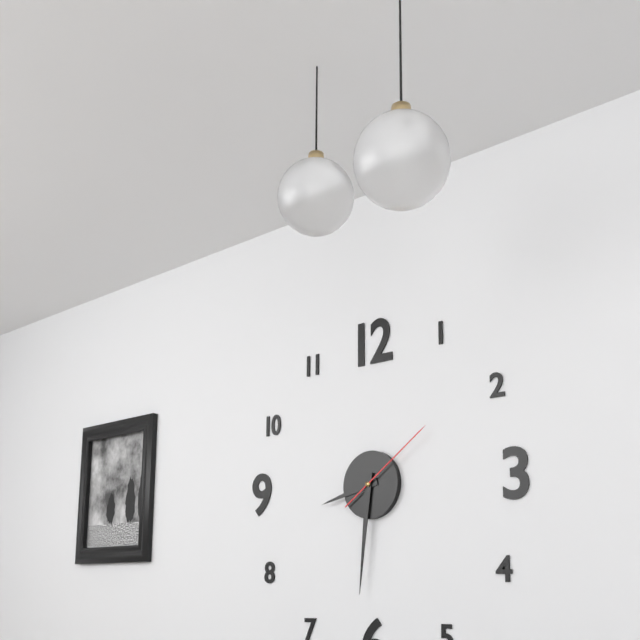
8:31:09
